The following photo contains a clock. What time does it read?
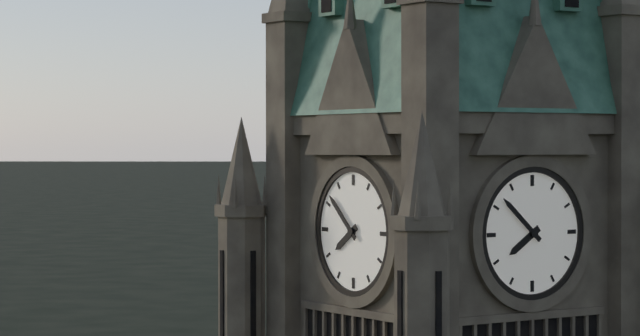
7:52
